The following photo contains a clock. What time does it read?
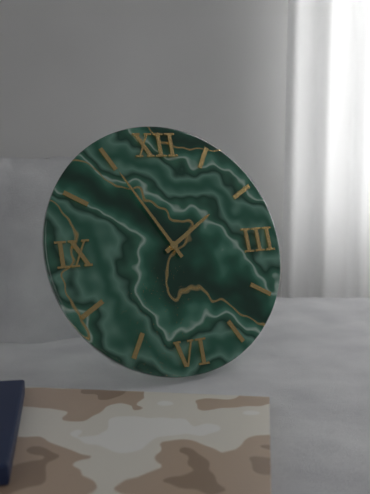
1:55
